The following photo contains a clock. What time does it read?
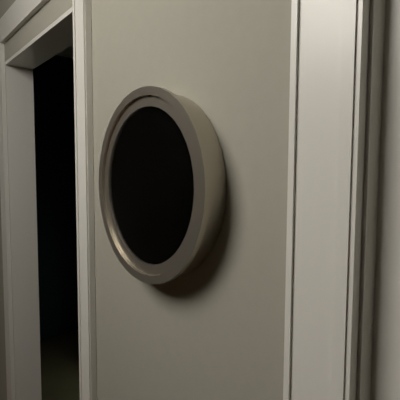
12:53
